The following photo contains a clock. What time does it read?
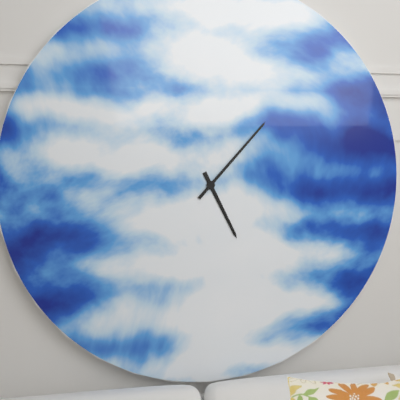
5:07
